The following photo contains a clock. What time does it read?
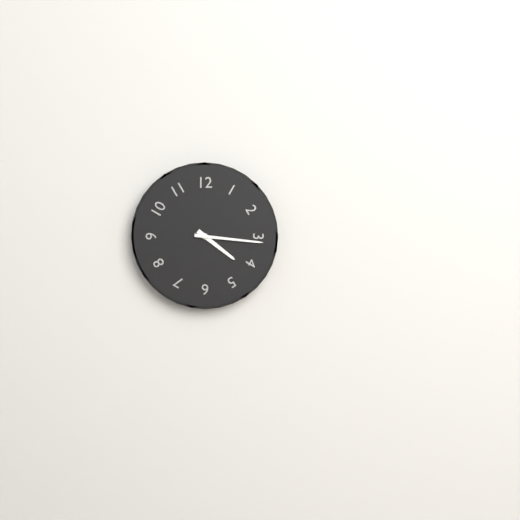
4:16
